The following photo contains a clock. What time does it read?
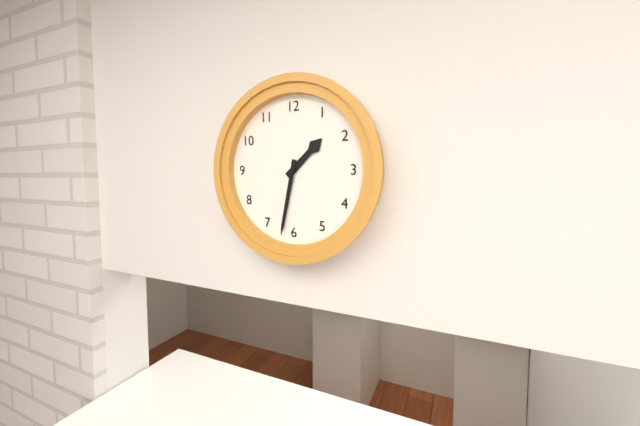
1:32
